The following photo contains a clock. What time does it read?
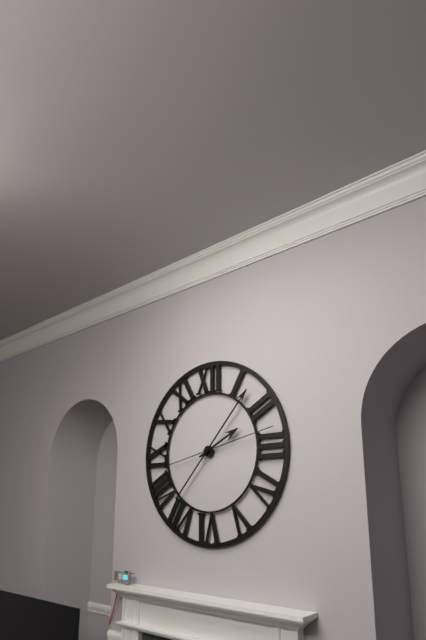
2:07:13
